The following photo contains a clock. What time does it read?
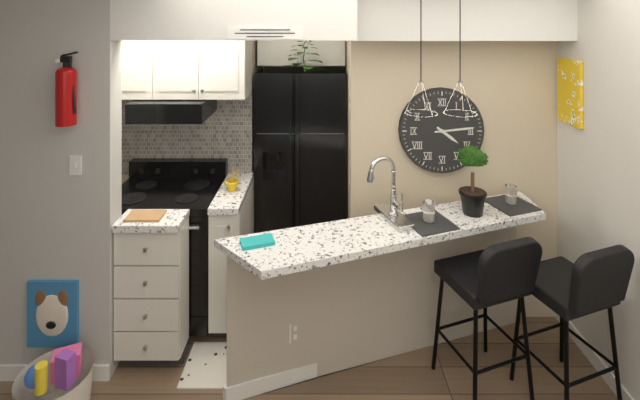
4:14
